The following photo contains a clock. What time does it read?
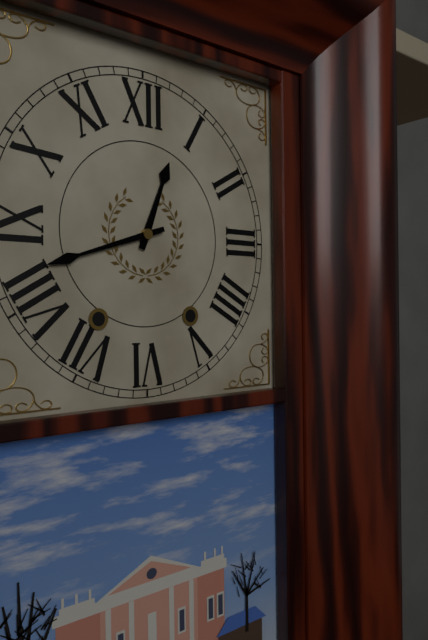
12:42
